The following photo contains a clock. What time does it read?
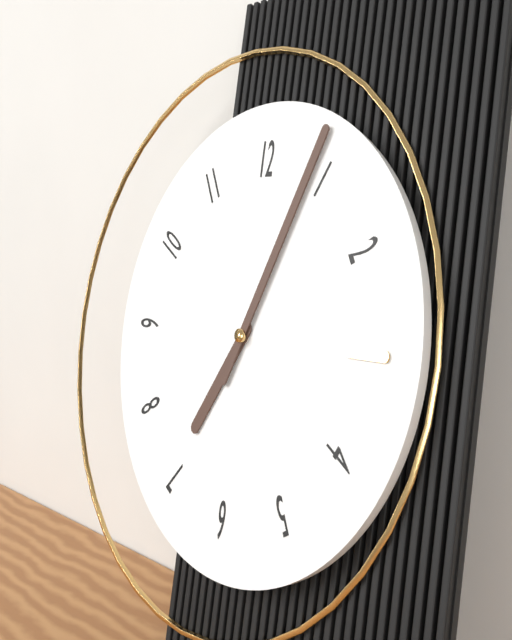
7:04
